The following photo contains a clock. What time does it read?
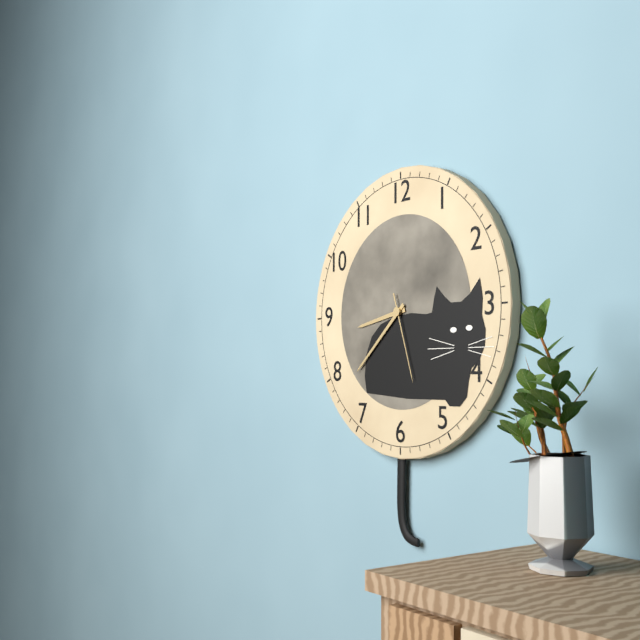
8:38:27
